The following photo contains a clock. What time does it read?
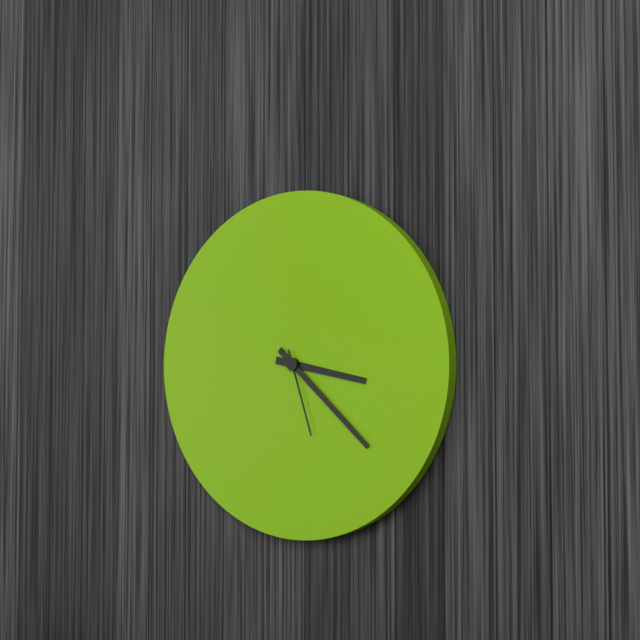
3:22:27
